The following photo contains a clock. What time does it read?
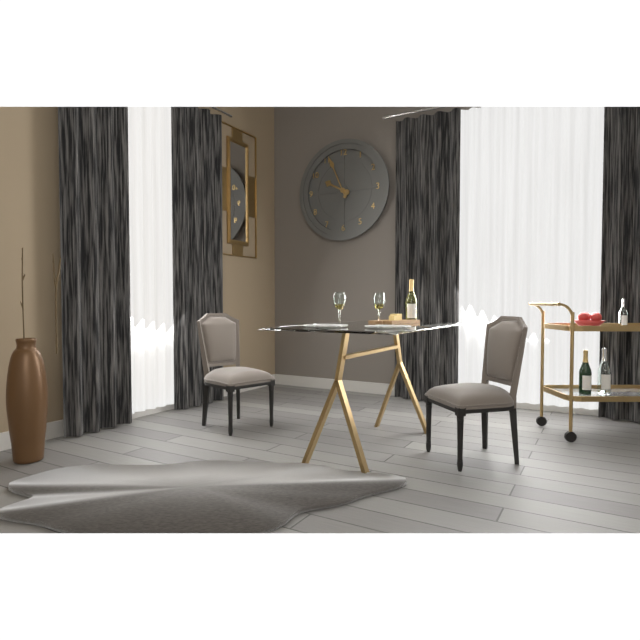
9:56
